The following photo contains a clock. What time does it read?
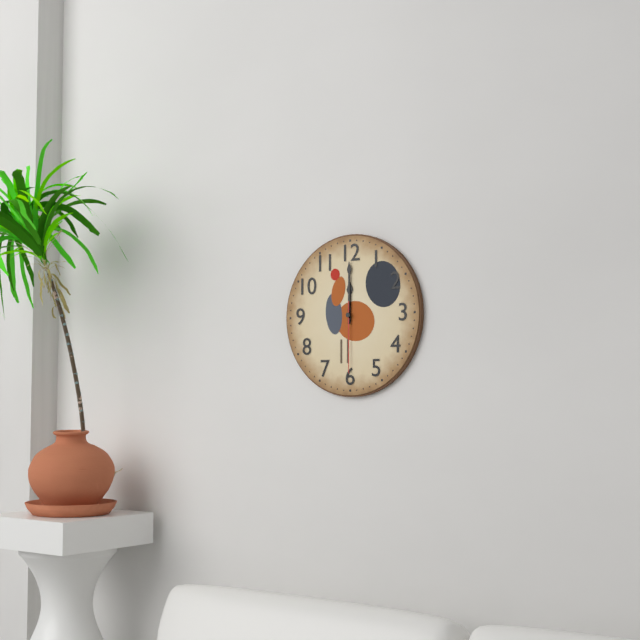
12:00:30
